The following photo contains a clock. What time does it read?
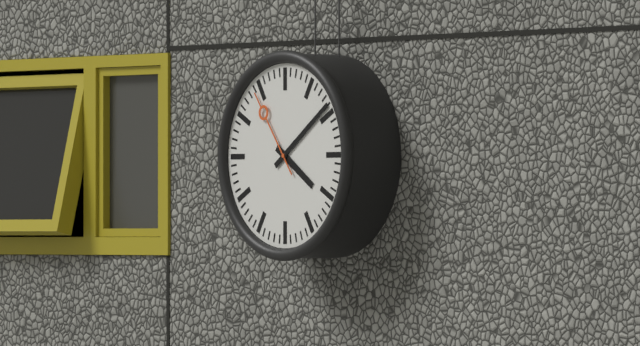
4:09:54
